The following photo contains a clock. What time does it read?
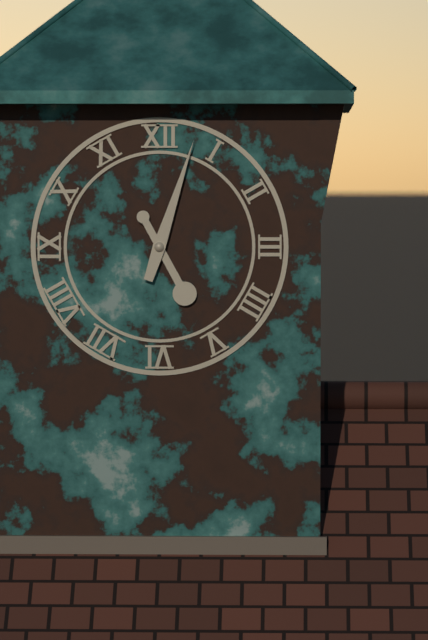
5:03
